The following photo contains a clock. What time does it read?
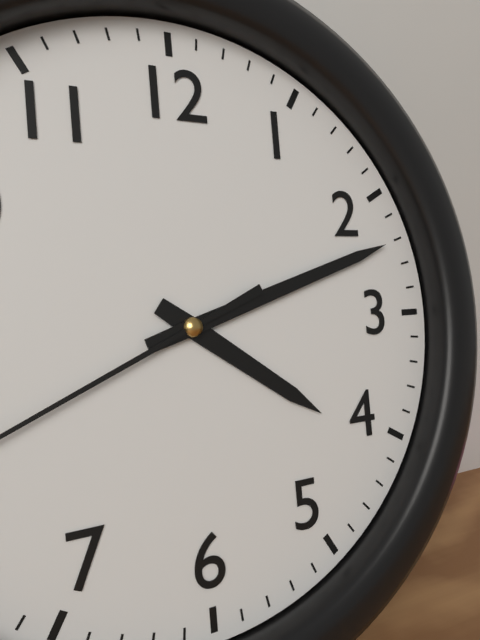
4:12
